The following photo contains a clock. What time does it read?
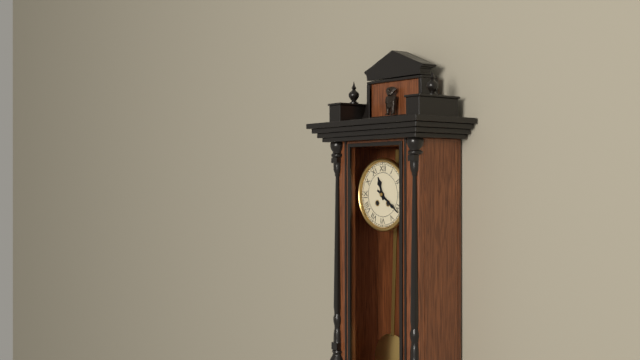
11:21
